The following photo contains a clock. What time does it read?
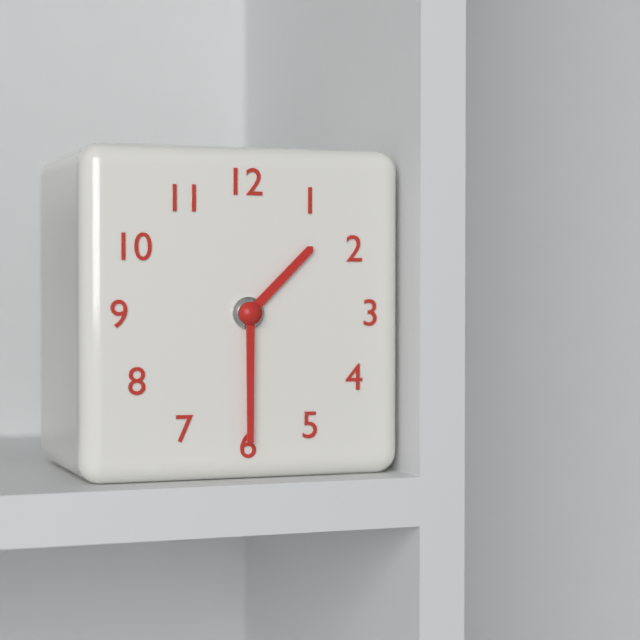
1:30
